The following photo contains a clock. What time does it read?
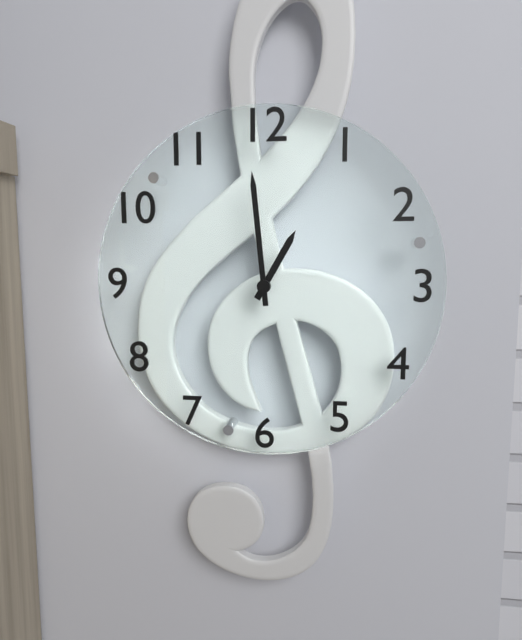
12:59
